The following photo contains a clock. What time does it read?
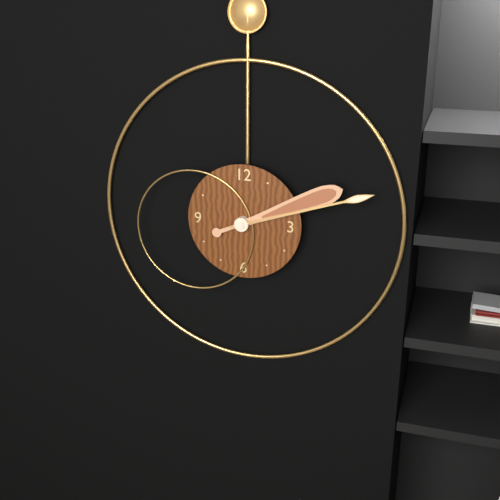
2:12
